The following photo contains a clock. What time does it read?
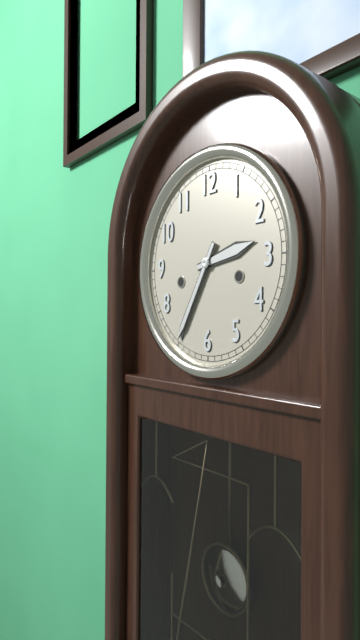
2:35
